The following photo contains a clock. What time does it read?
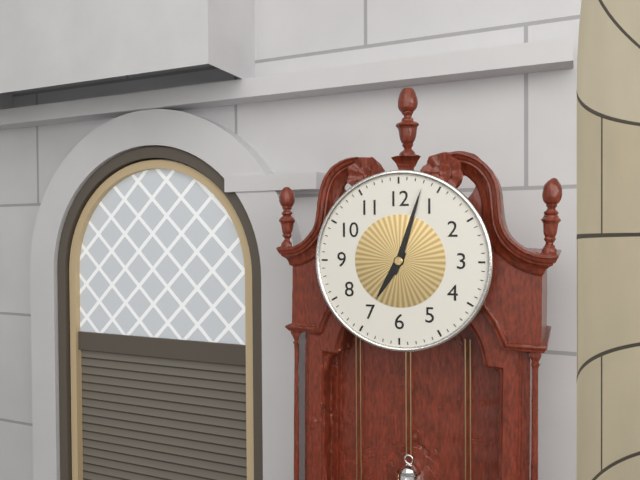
7:03
